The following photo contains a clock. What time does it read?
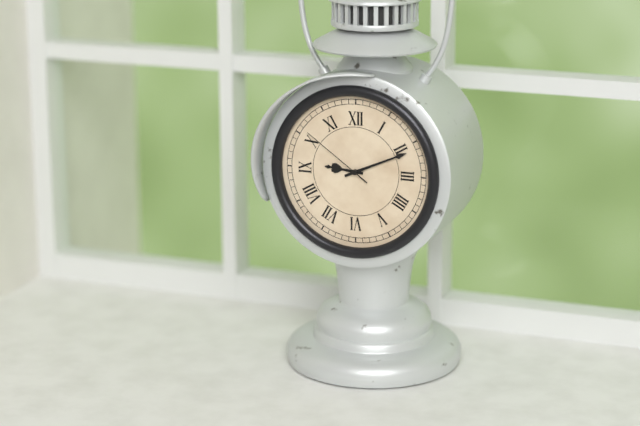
9:11:51
